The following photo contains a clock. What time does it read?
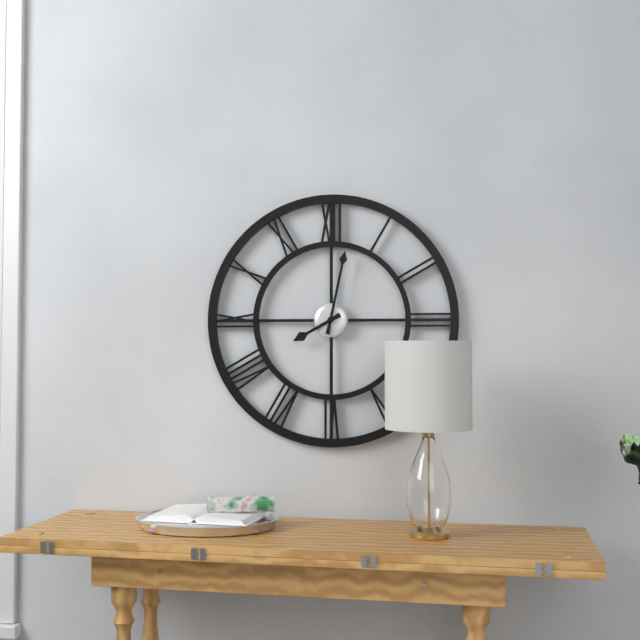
8:02
